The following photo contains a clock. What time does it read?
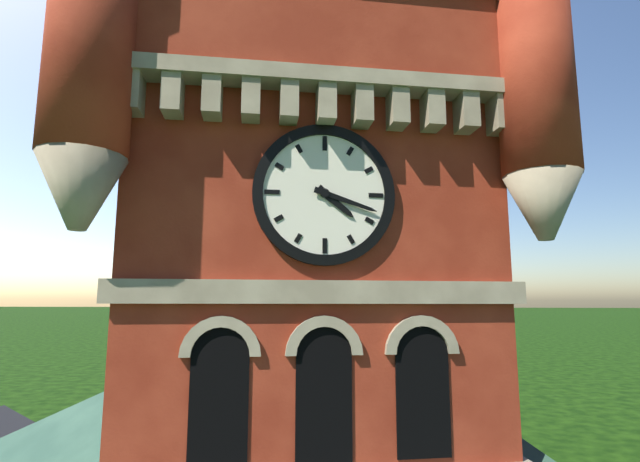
4:18
